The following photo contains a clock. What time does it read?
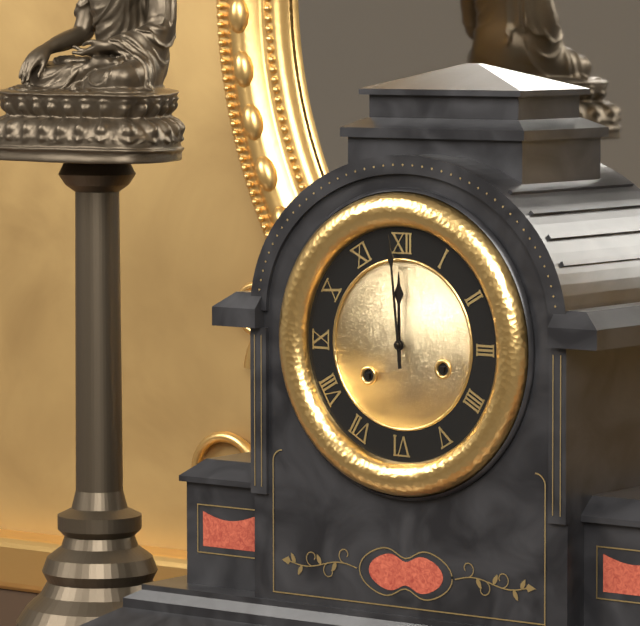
11:59
